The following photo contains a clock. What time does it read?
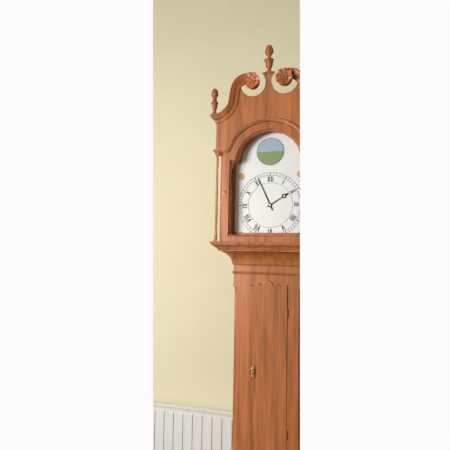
1:56
